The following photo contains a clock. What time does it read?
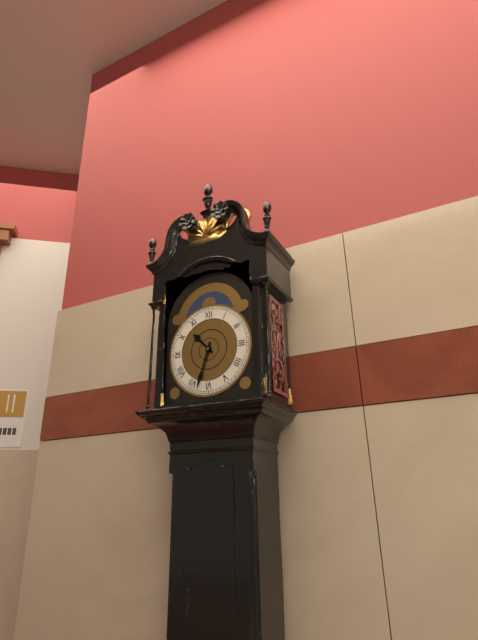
10:33
